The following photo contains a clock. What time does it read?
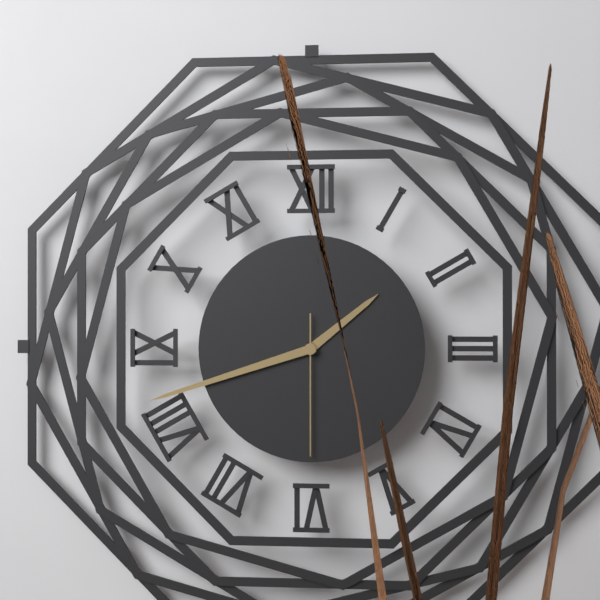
1:42:30
